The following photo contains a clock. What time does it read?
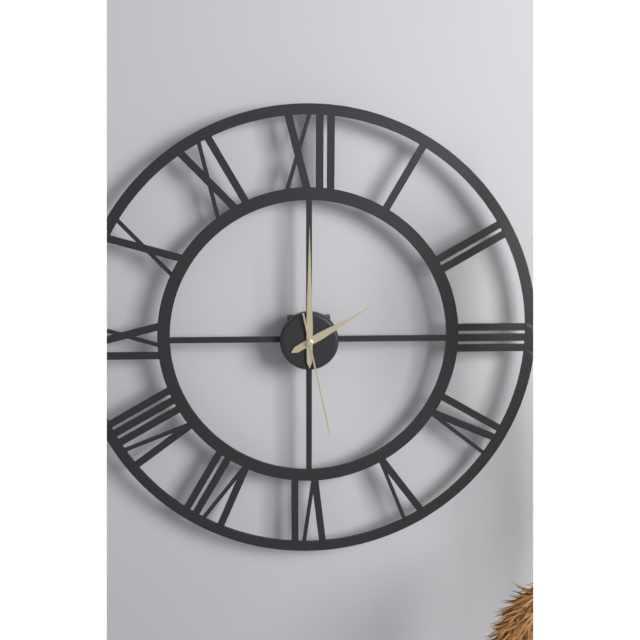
2:00:28
